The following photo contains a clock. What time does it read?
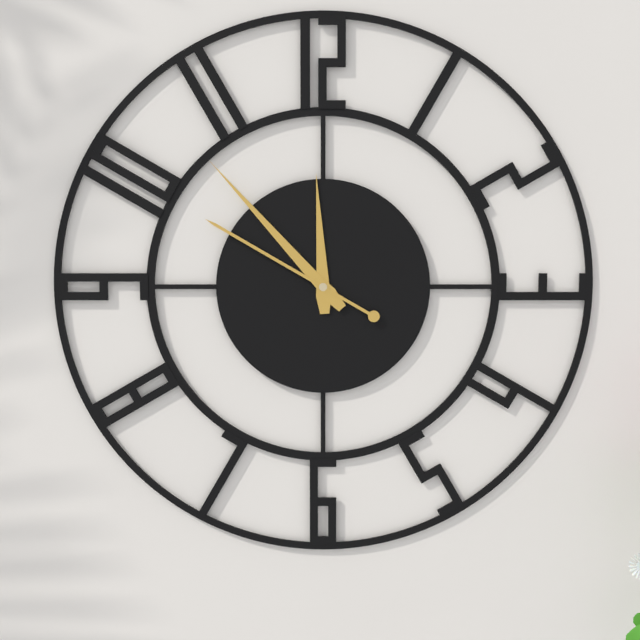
11:53:50
